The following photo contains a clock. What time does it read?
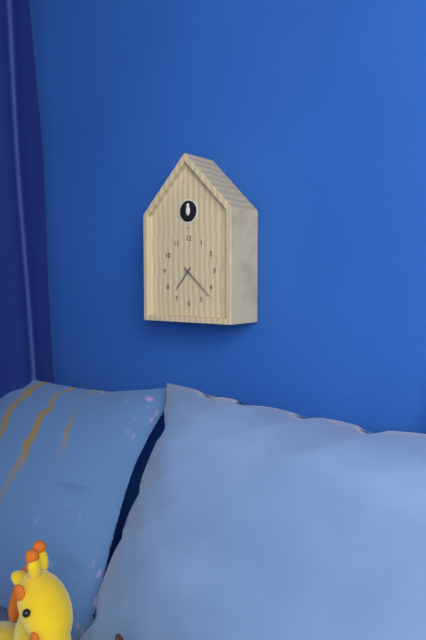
7:22
